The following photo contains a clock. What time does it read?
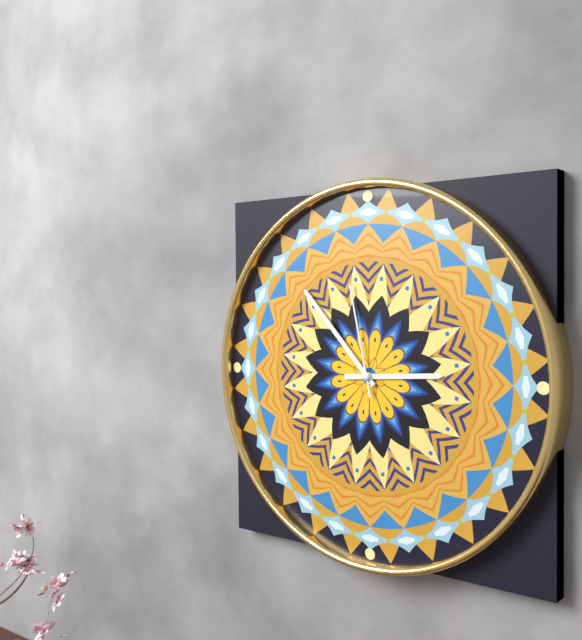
2:53:58
